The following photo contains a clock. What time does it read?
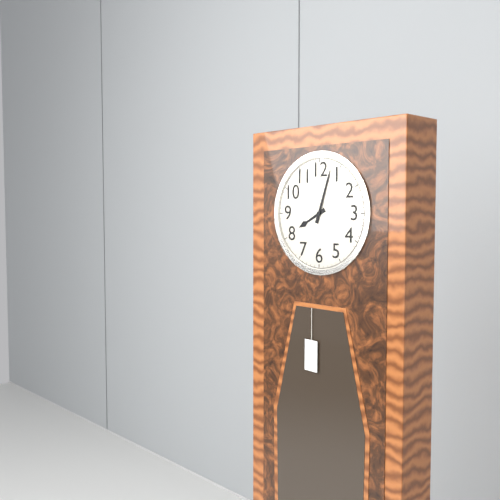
8:03
